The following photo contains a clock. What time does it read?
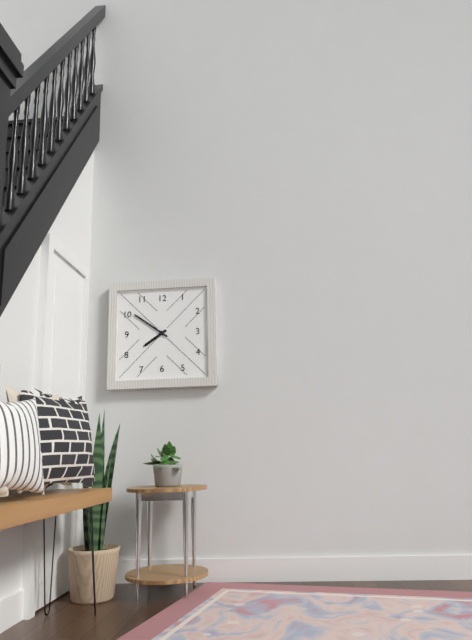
7:51
